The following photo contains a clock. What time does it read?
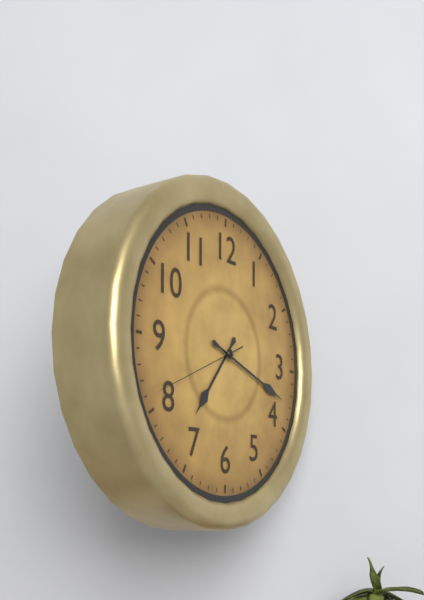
7:18:41
